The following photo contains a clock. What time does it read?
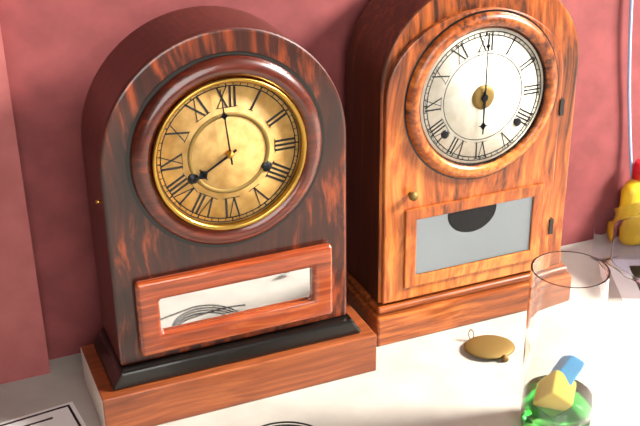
7:59
